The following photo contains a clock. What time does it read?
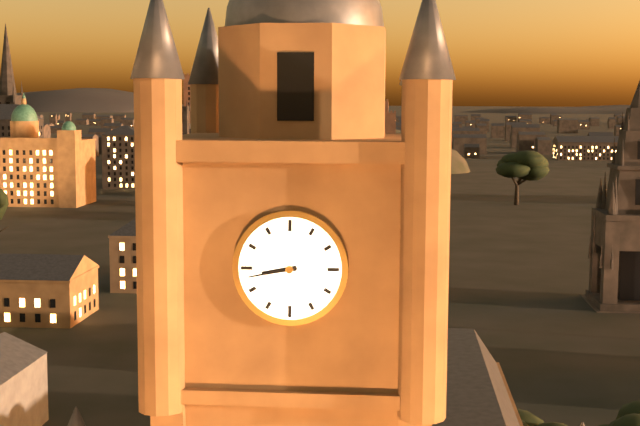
8:43
